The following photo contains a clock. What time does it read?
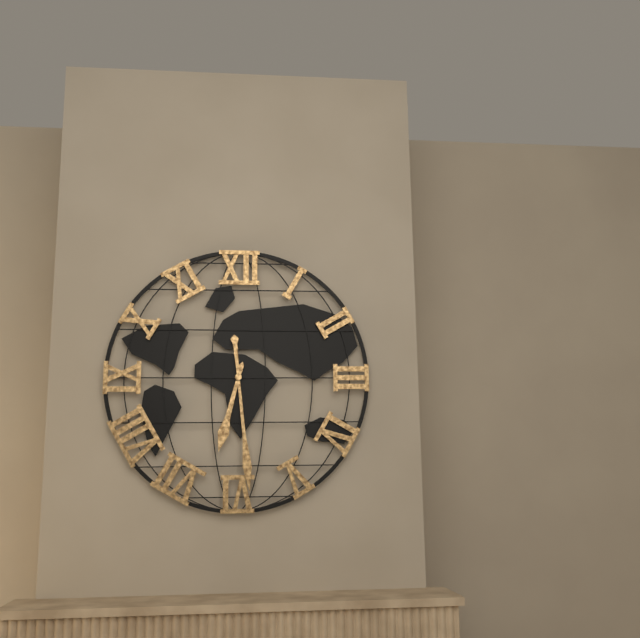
6:29
